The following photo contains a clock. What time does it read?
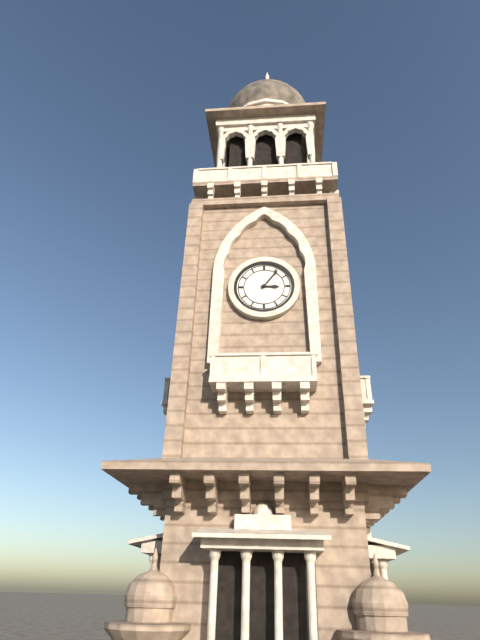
3:06
